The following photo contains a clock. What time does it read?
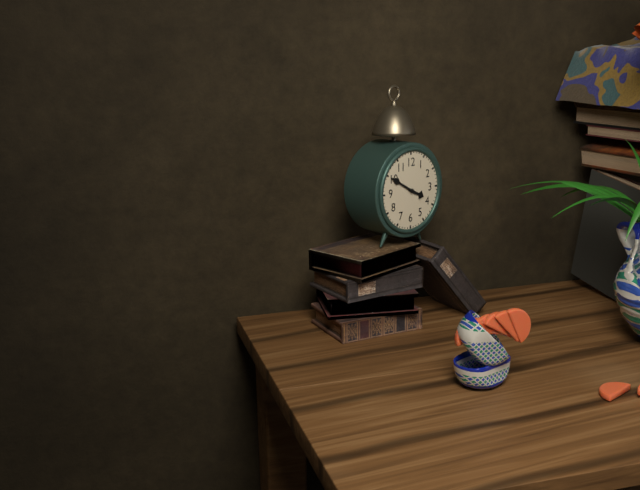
3:50
